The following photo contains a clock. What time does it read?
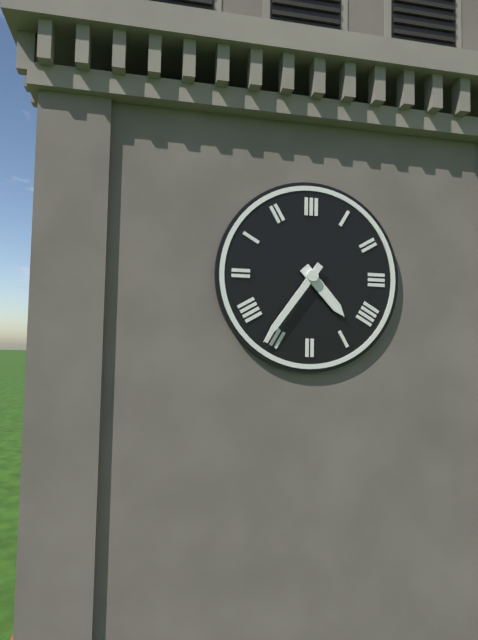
4:36
